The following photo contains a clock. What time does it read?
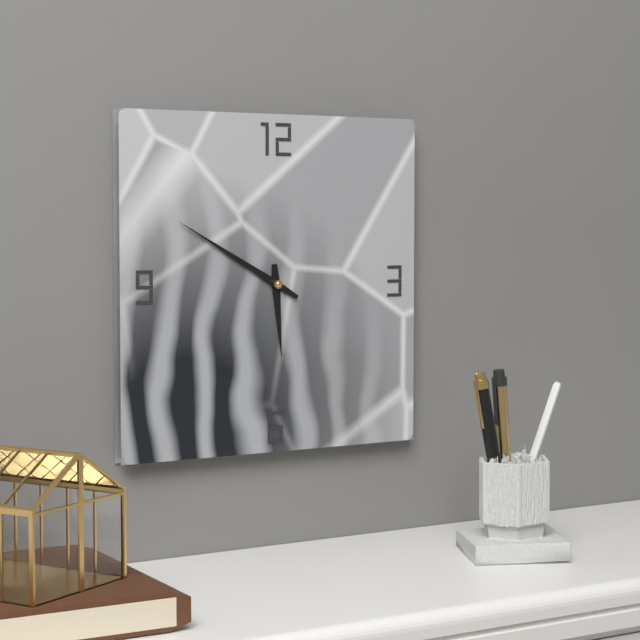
5:50
